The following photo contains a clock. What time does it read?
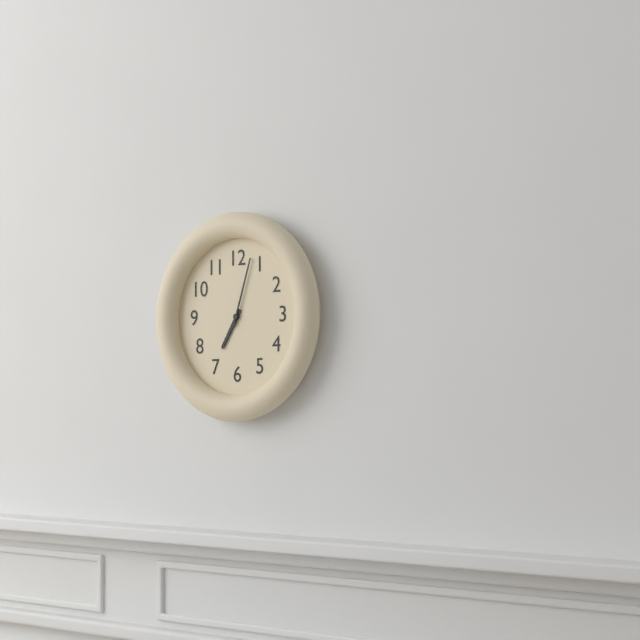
7:03
